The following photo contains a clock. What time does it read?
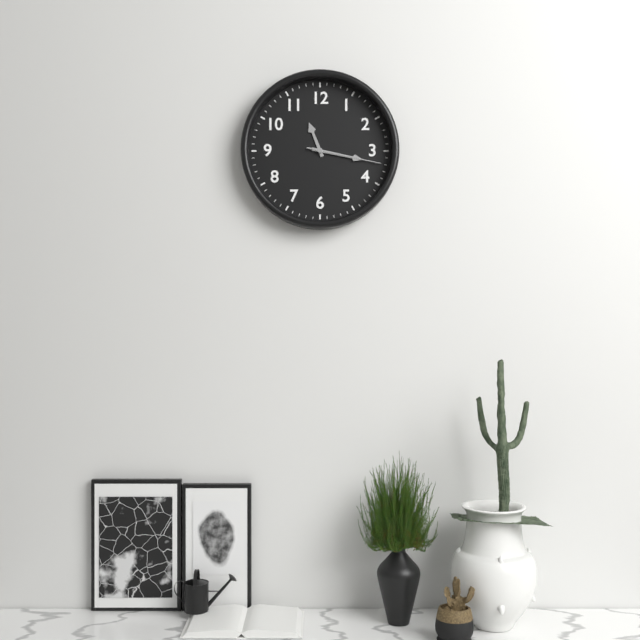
11:17:17
